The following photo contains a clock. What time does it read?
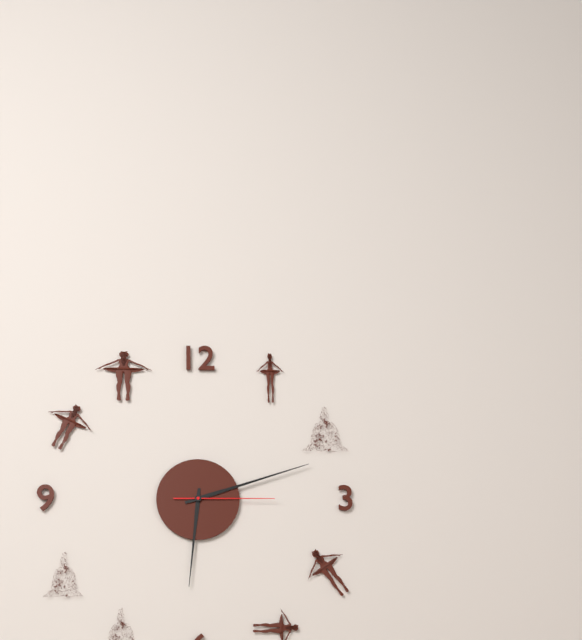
6:12:15
